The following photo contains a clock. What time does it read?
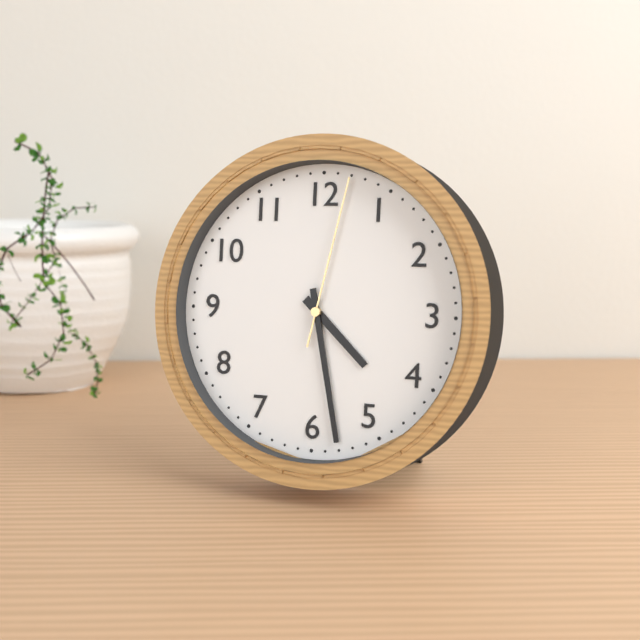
4:28:02
